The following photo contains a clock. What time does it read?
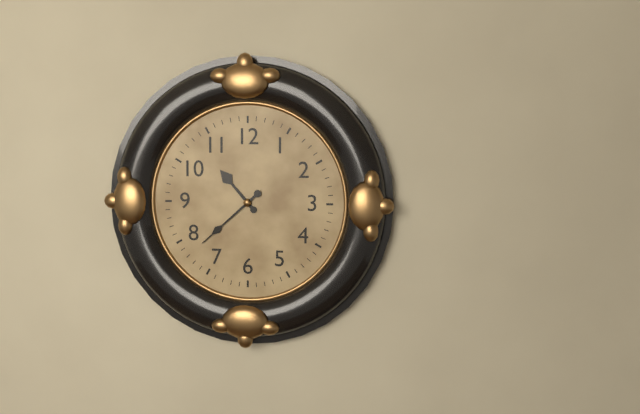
10:38
